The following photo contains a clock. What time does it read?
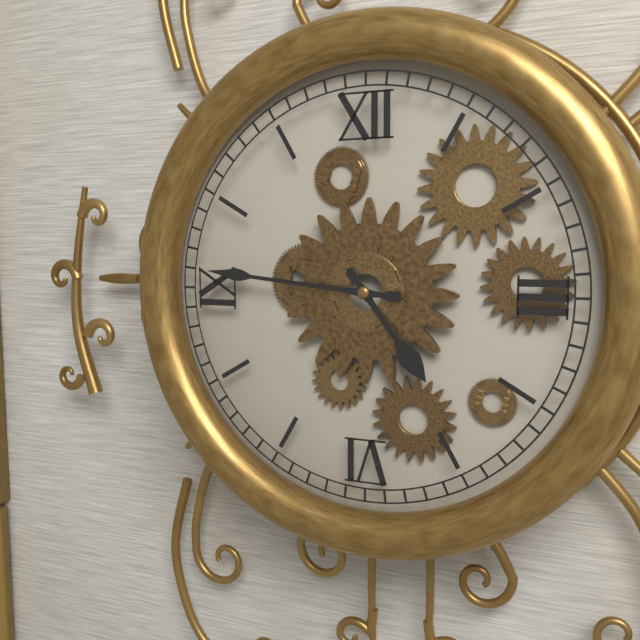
4:46
